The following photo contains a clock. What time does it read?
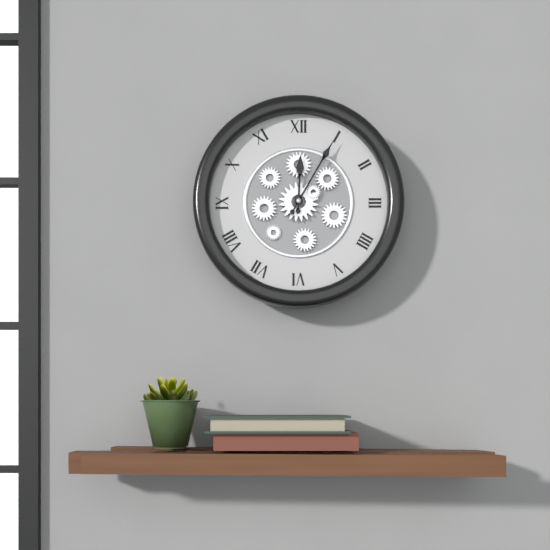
12:05
